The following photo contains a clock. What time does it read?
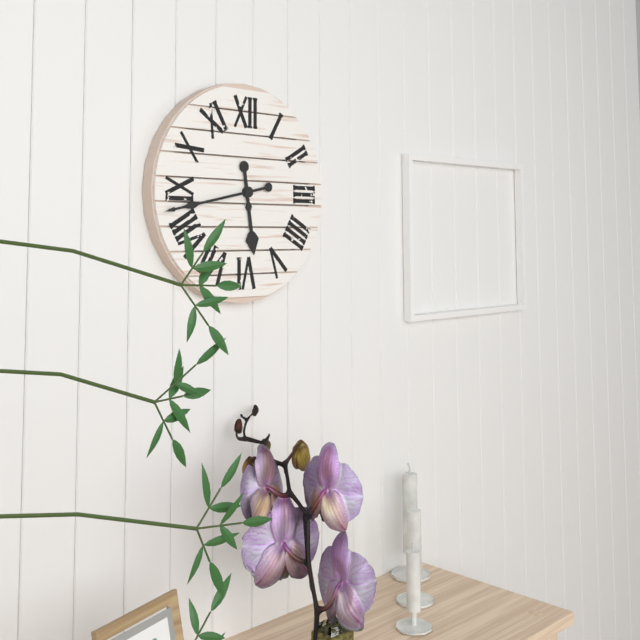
5:43
